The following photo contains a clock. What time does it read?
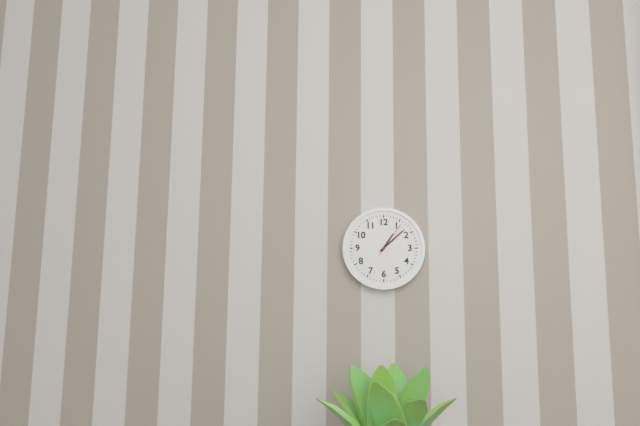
1:08
